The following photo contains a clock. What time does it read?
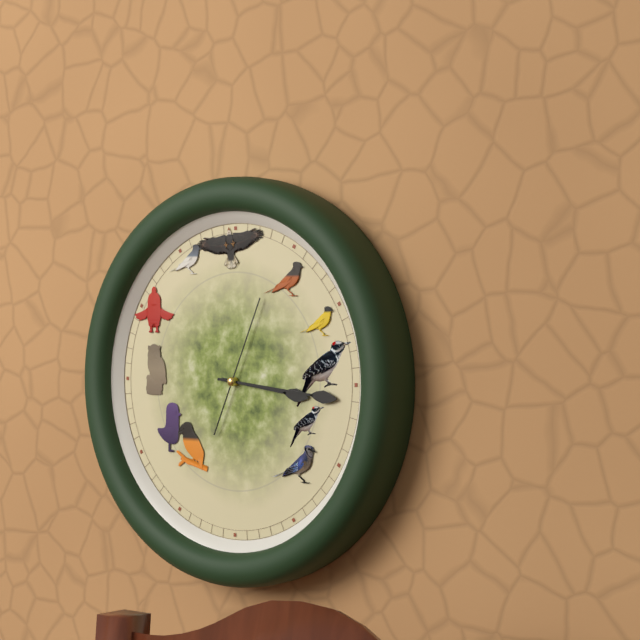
3:16:04
